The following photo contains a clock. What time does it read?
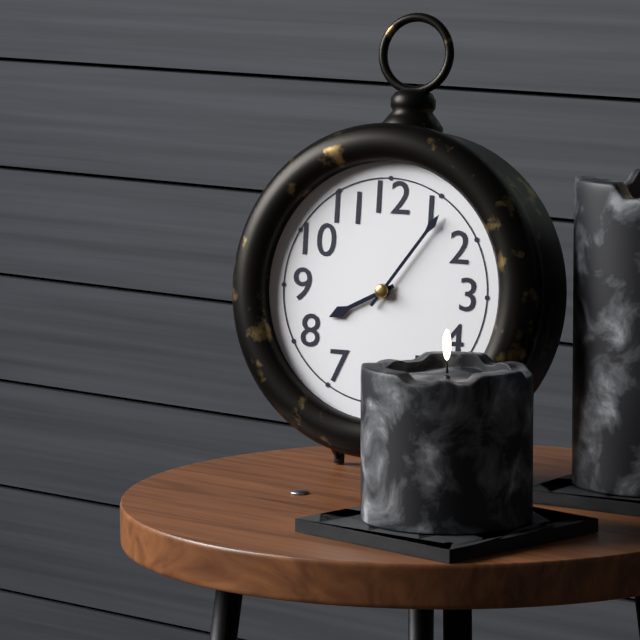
8:06
